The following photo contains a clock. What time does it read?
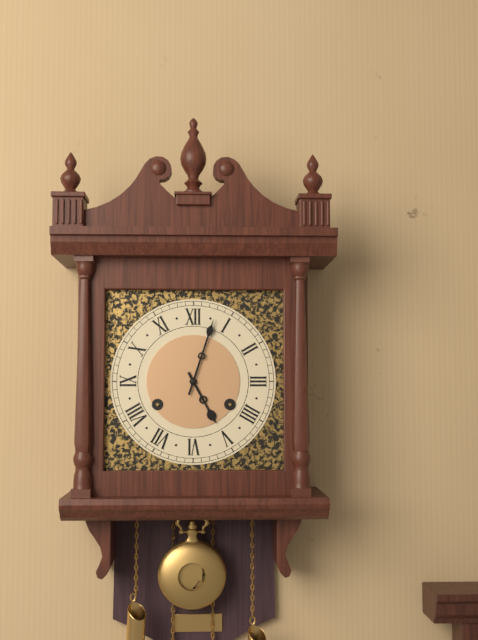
5:03
